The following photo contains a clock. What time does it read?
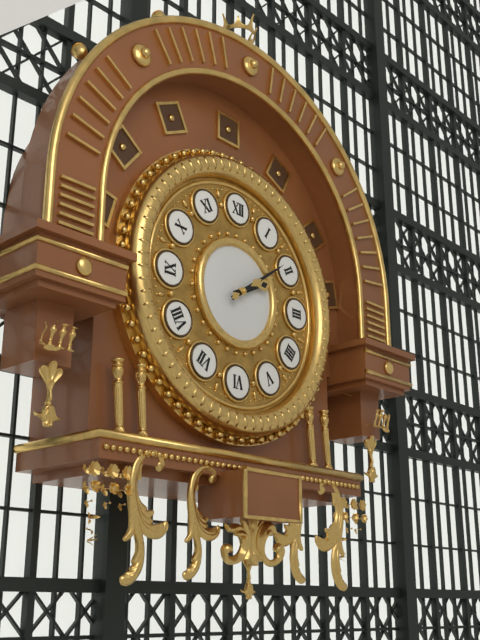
2:09
